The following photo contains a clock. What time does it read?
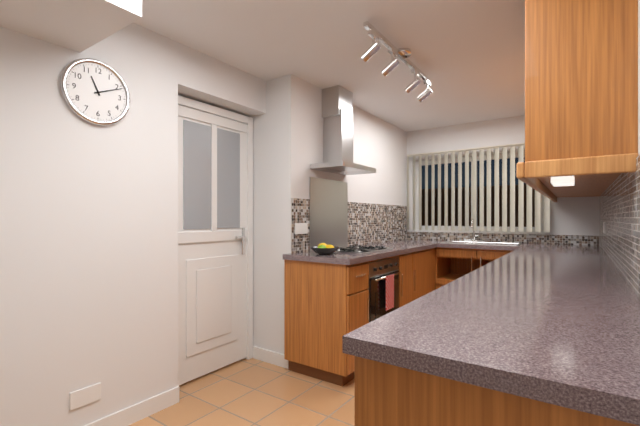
11:11
